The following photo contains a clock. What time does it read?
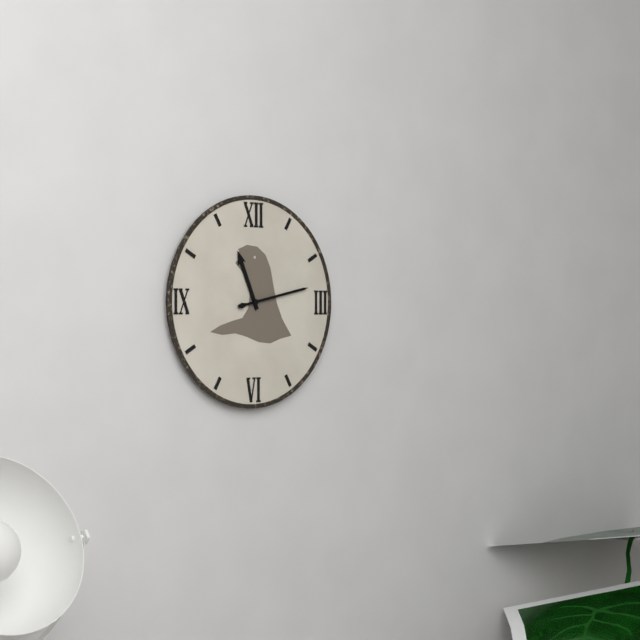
11:13
